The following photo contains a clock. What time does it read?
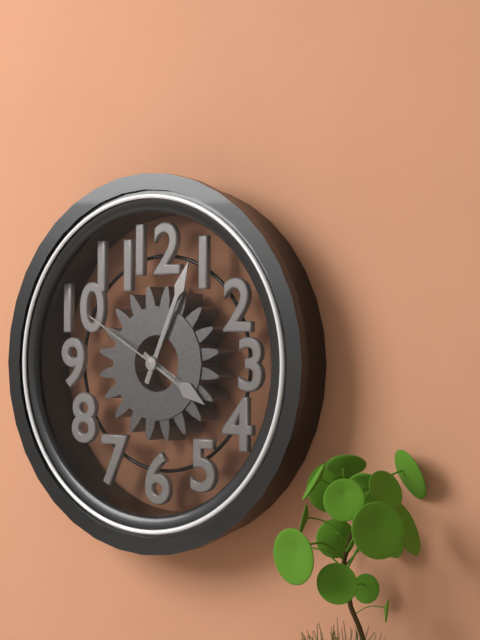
4:04:50
